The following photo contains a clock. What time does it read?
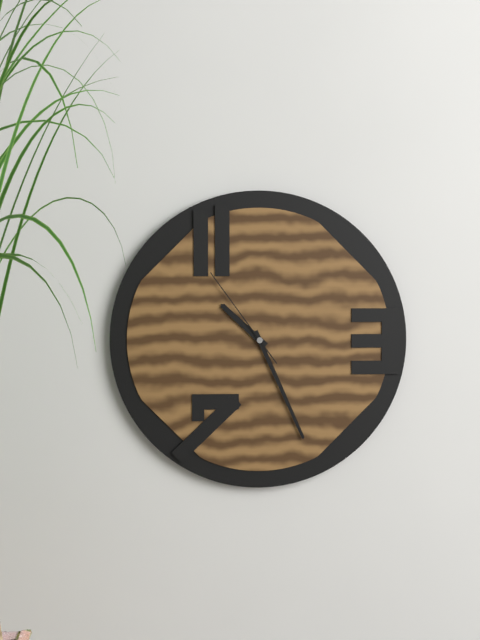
10:26:54
